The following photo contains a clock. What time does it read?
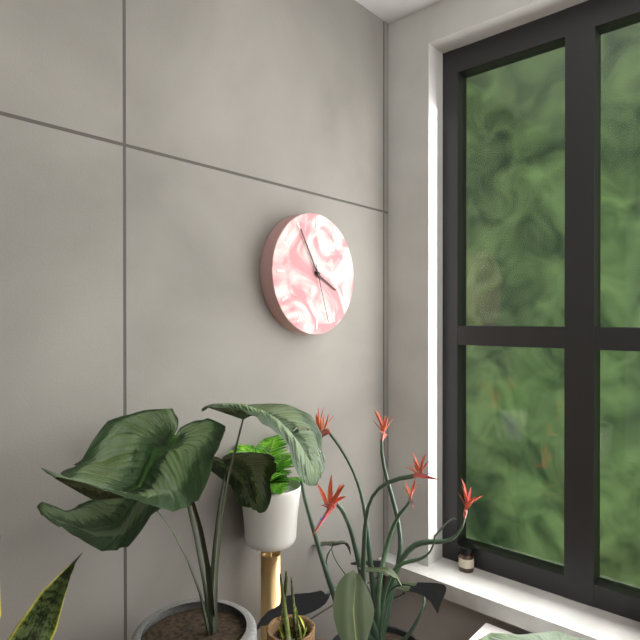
3:55:27
